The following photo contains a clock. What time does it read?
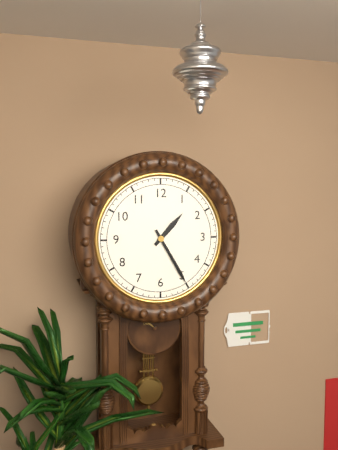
1:25
